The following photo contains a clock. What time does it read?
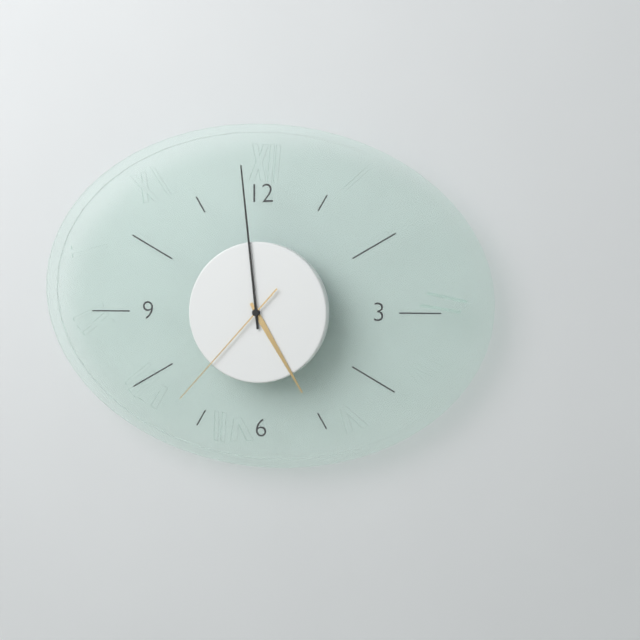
4:59:37
